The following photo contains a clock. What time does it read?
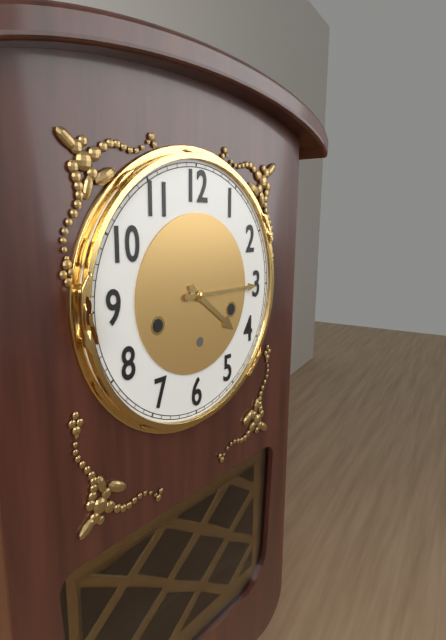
4:15
